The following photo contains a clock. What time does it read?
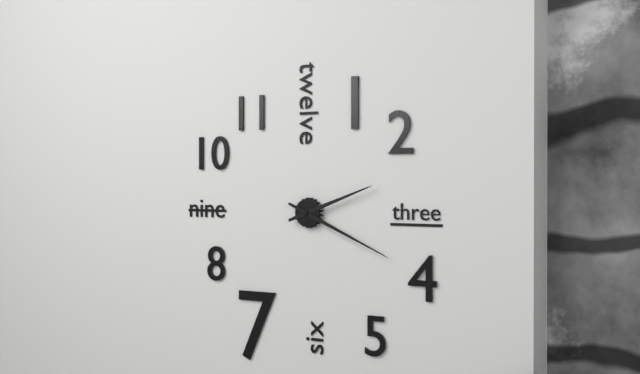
2:19
